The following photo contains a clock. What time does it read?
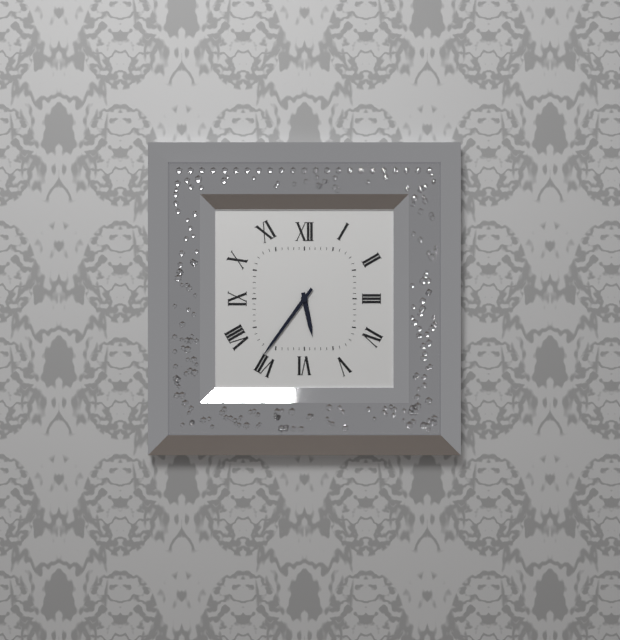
5:36
